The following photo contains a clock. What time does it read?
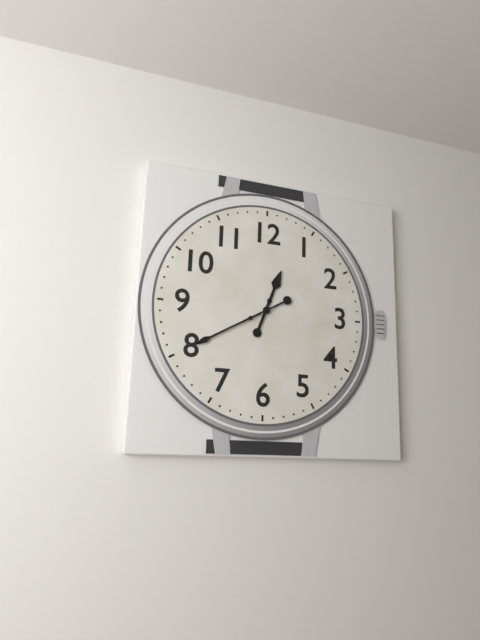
12:40
